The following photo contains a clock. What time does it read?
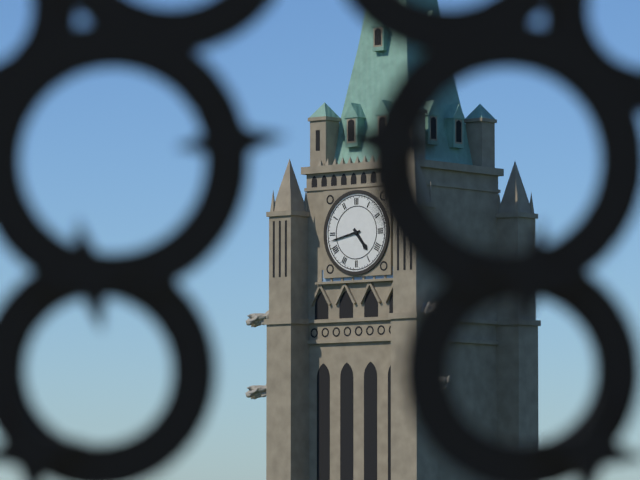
4:43
